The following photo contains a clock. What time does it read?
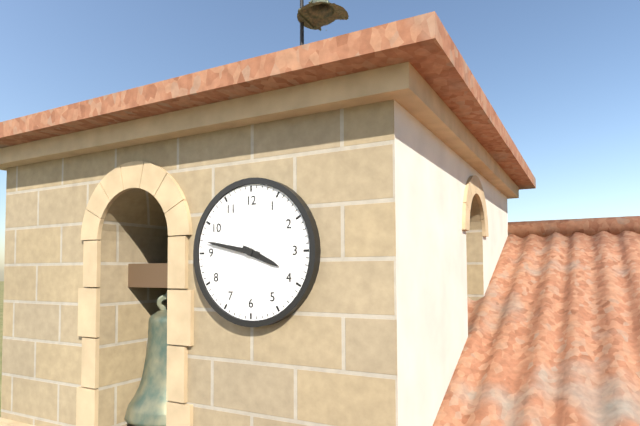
3:47
